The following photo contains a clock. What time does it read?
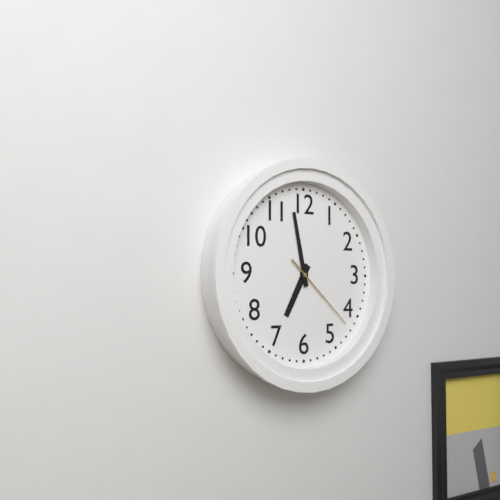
6:58:22
